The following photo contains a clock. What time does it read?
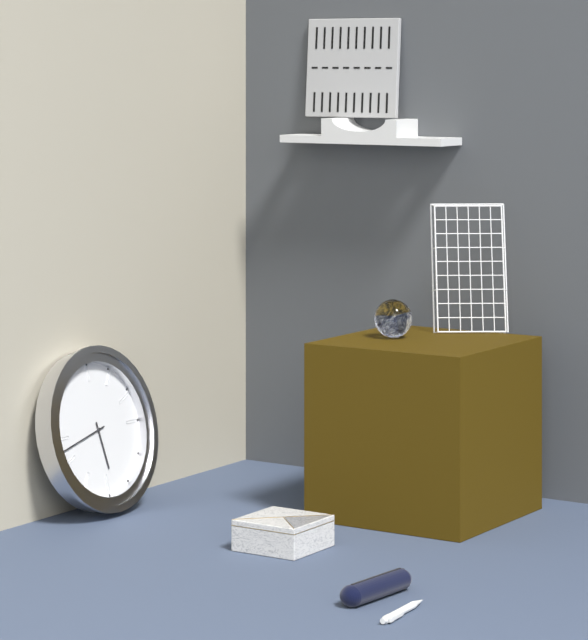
5:43
